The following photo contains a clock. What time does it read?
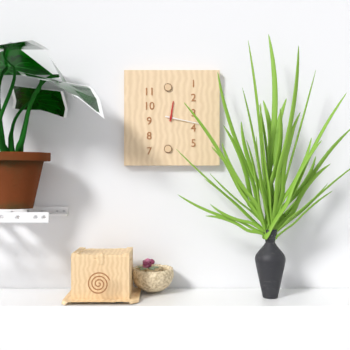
12:17
